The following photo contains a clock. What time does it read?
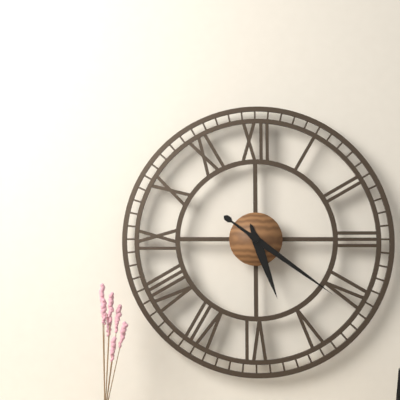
5:21
